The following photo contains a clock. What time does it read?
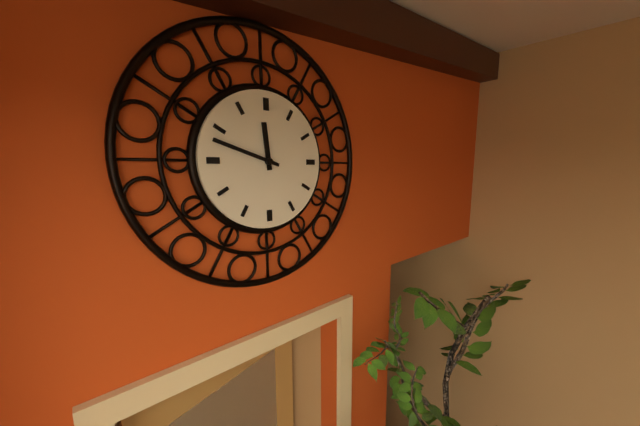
11:48
